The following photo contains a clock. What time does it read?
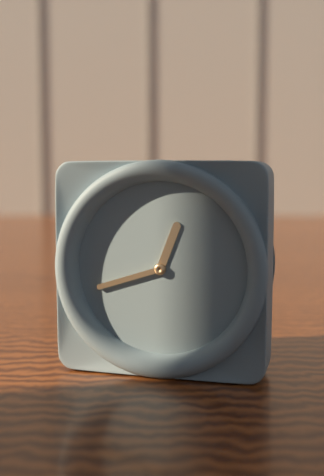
12:42
